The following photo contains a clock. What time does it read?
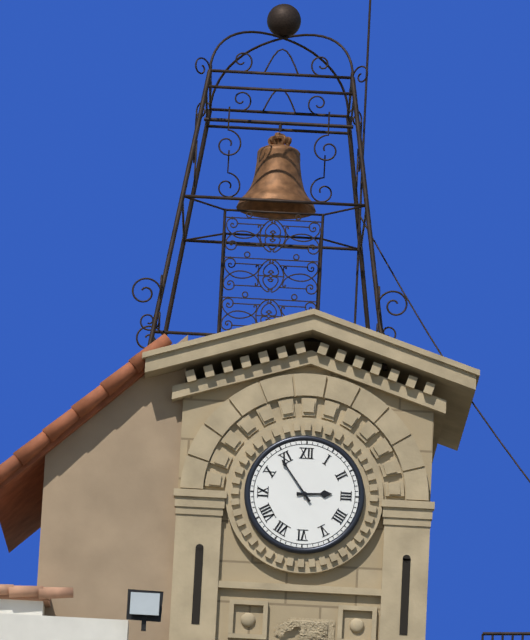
2:54
